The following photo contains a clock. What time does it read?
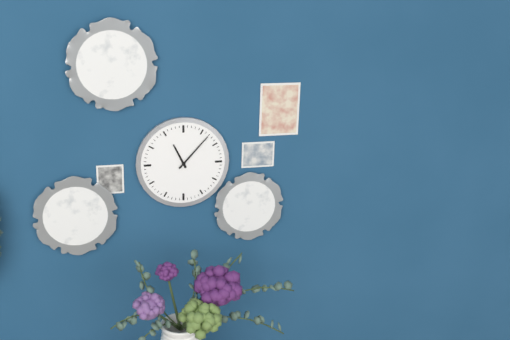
11:07
